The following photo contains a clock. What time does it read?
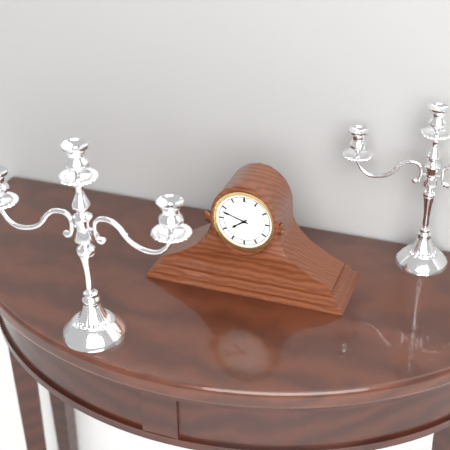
7:48
